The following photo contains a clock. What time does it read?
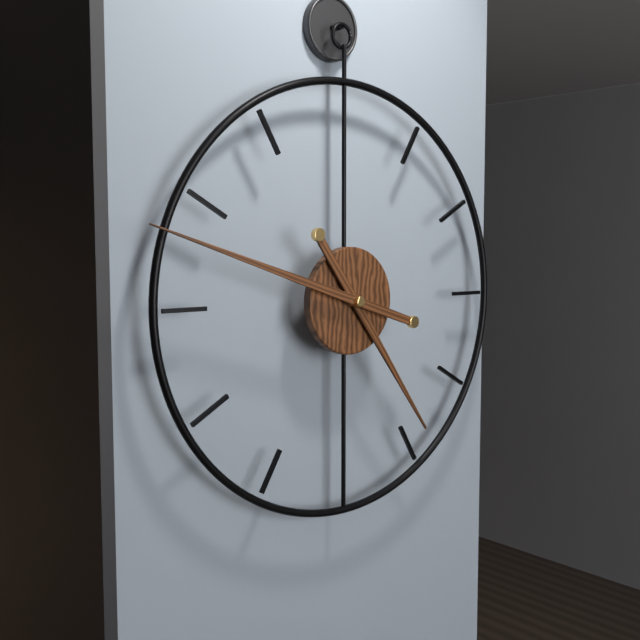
4:48
